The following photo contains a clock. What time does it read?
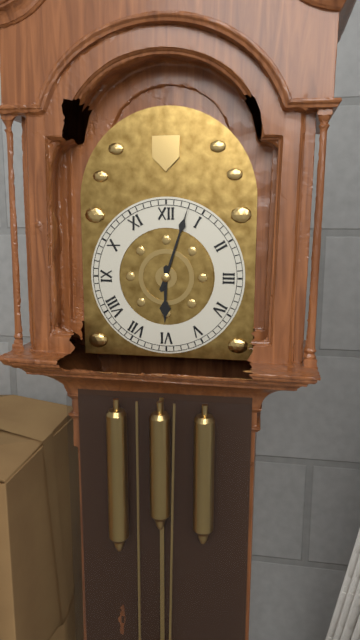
6:03
